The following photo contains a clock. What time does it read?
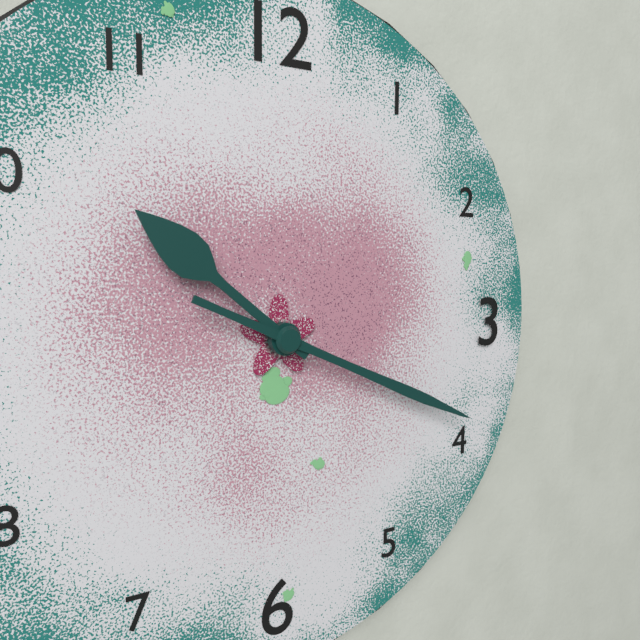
10:19
